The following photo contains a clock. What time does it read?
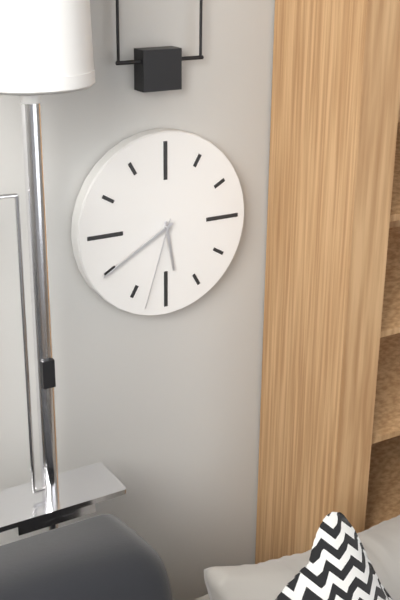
5:40:33
